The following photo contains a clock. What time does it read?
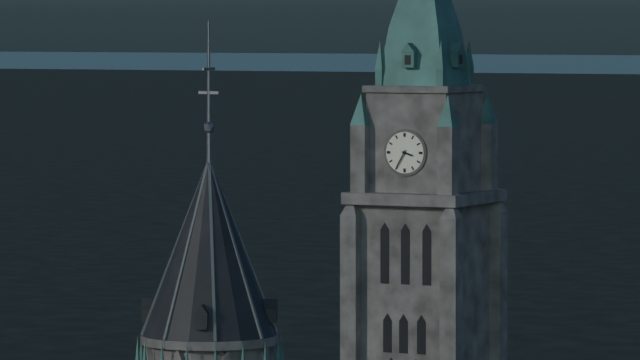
3:35
